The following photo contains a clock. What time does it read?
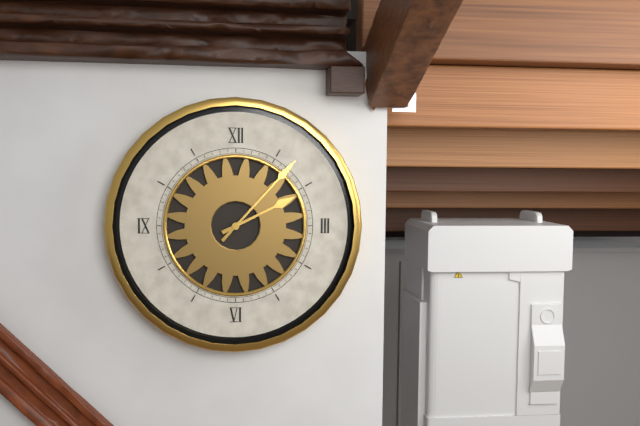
2:07
